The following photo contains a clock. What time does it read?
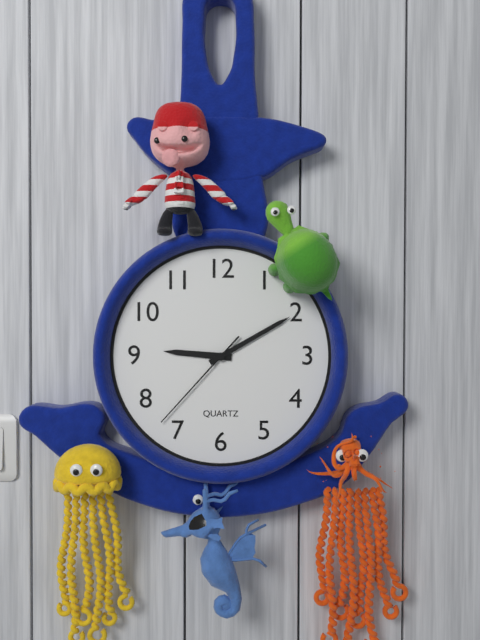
9:10:37
